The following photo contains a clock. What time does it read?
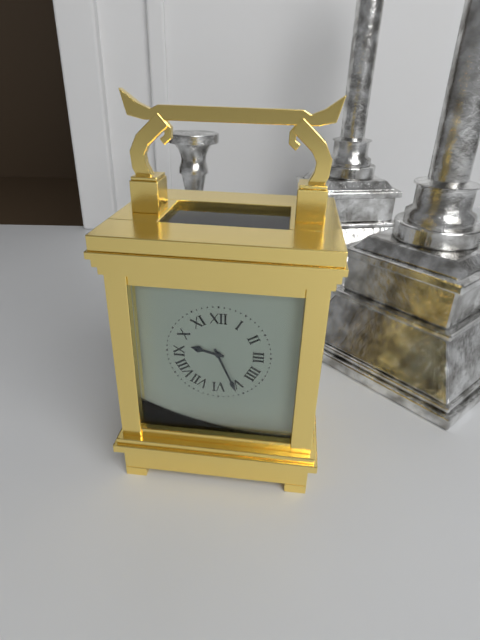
9:26
